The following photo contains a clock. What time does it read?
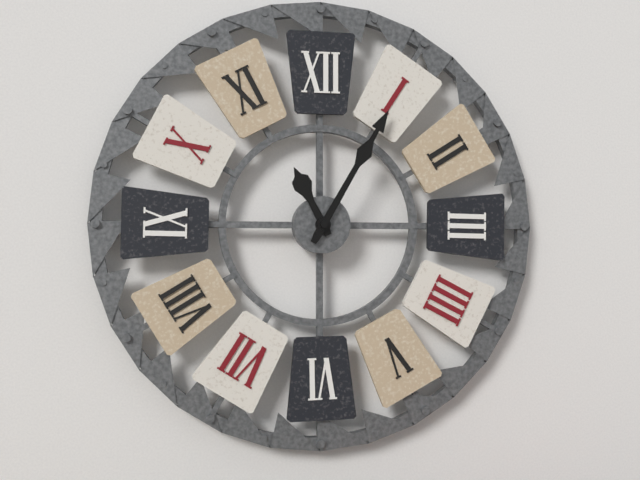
11:05
